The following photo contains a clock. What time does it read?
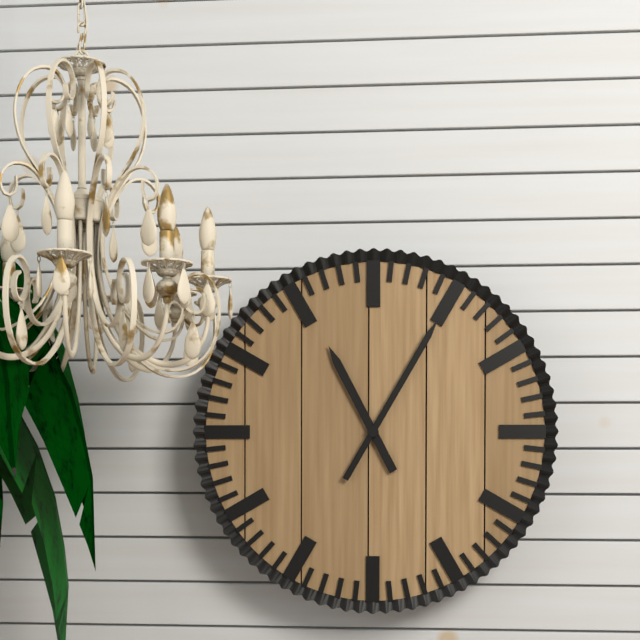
11:05
